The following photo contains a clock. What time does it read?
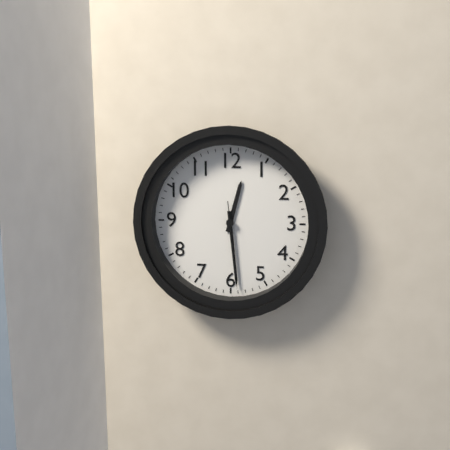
12:29:29
